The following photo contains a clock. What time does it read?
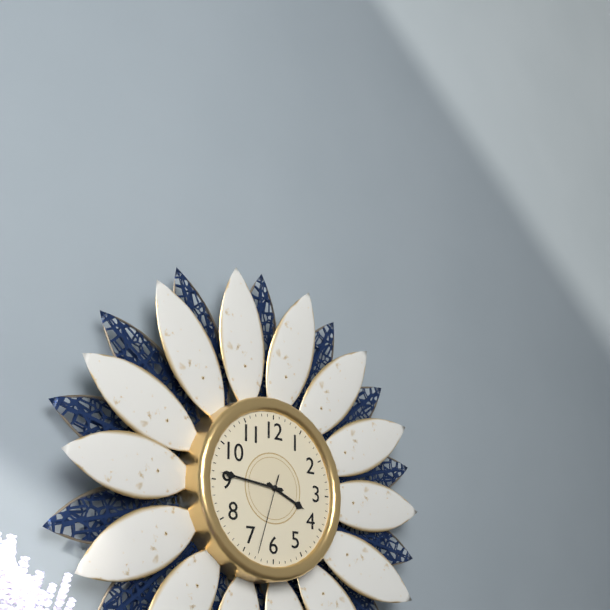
3:46:33
